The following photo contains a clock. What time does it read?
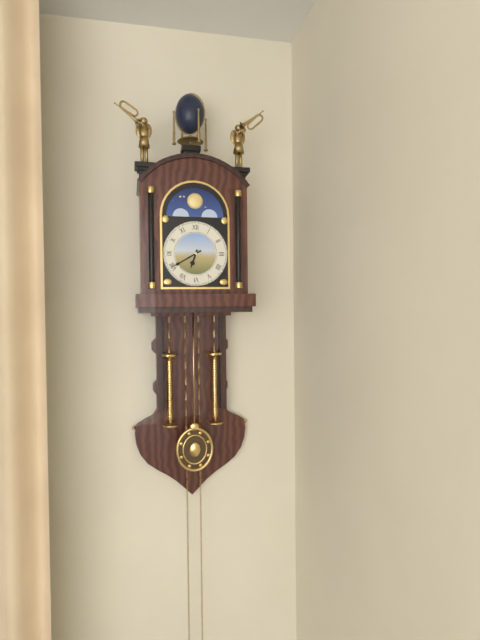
6:40
